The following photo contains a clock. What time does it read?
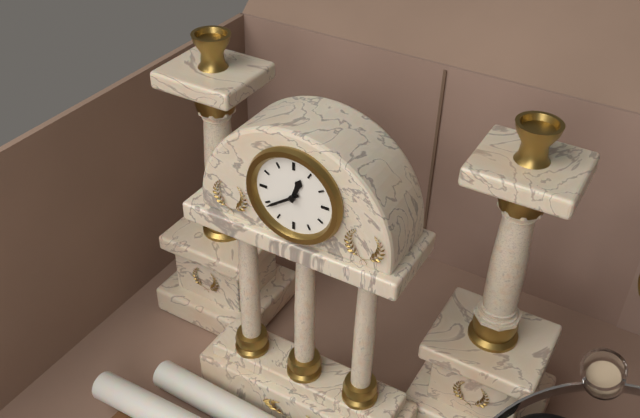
12:39
